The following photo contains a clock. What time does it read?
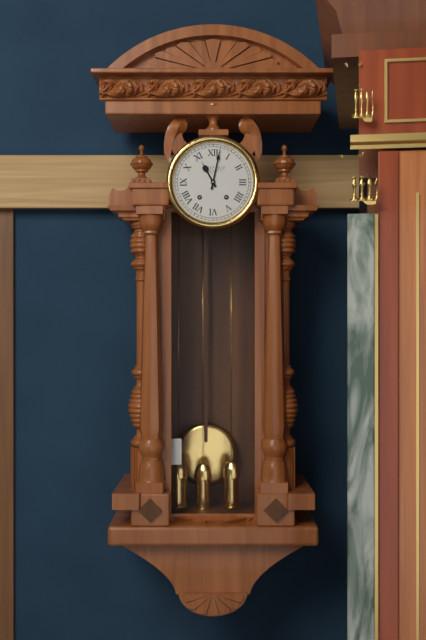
11:02
